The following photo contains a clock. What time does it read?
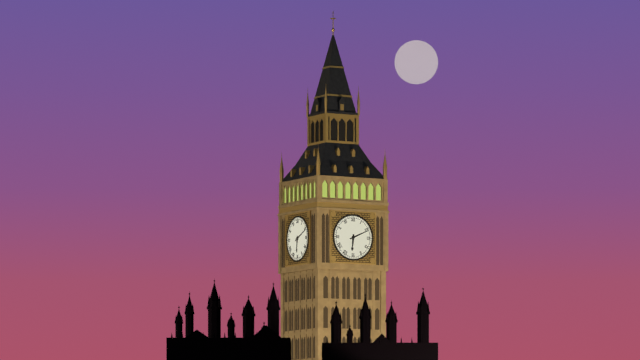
6:11
